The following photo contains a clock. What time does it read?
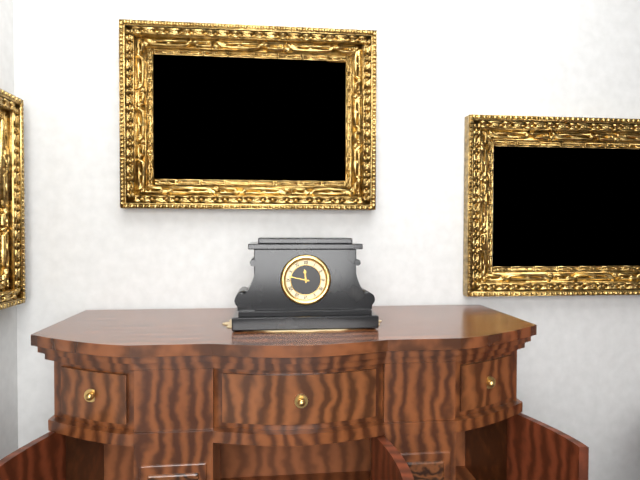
11:47
